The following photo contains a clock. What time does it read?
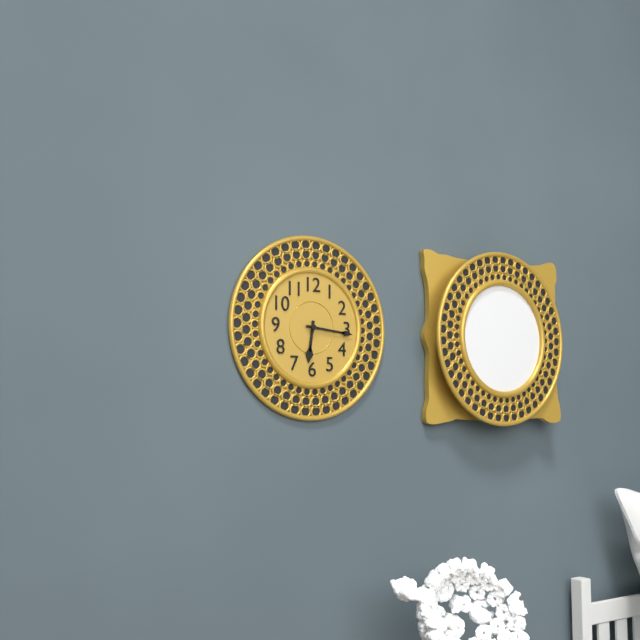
6:16
